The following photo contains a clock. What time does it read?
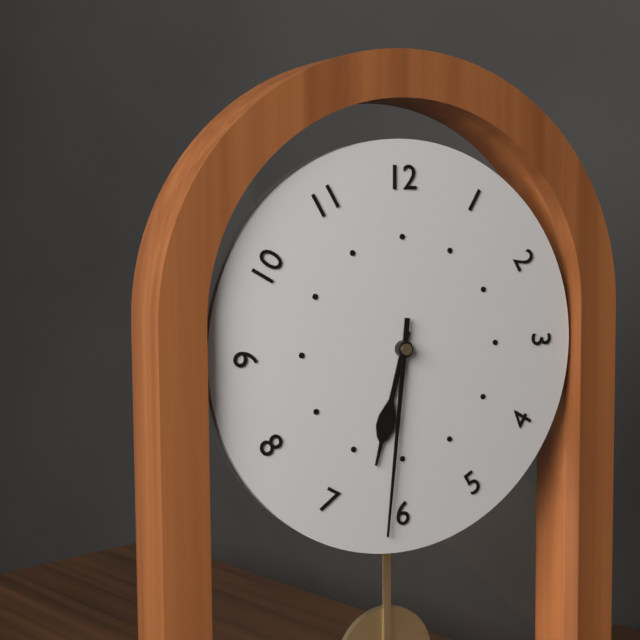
6:31
